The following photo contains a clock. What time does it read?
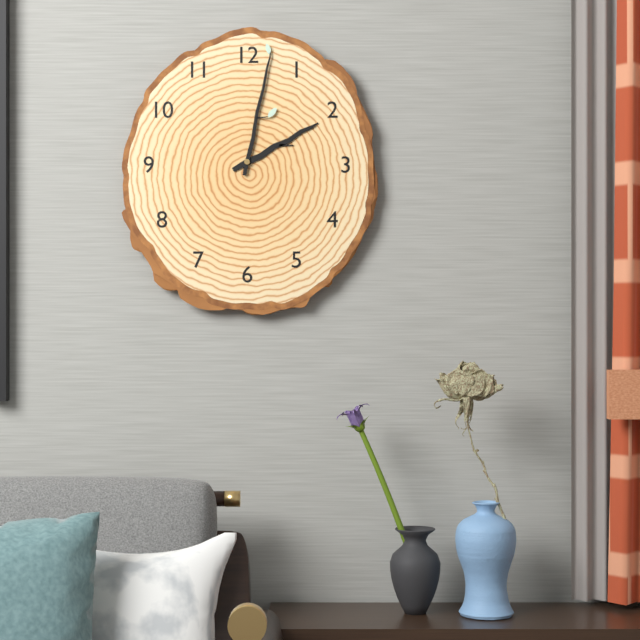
2:02
